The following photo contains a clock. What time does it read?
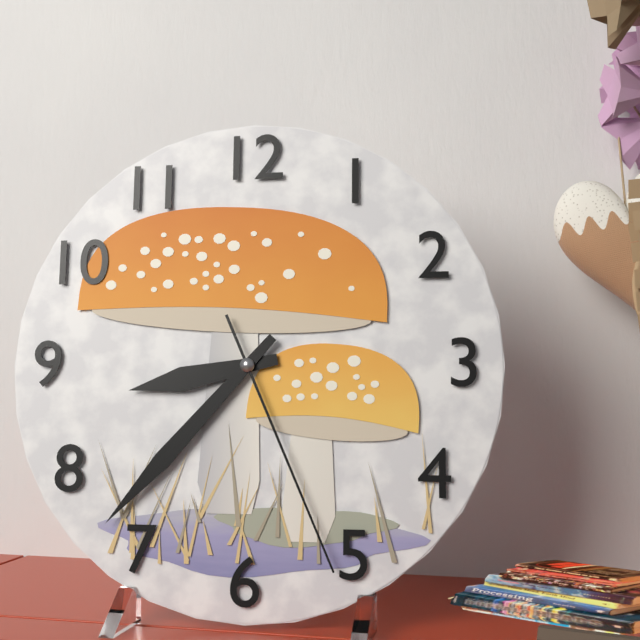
8:37:26
